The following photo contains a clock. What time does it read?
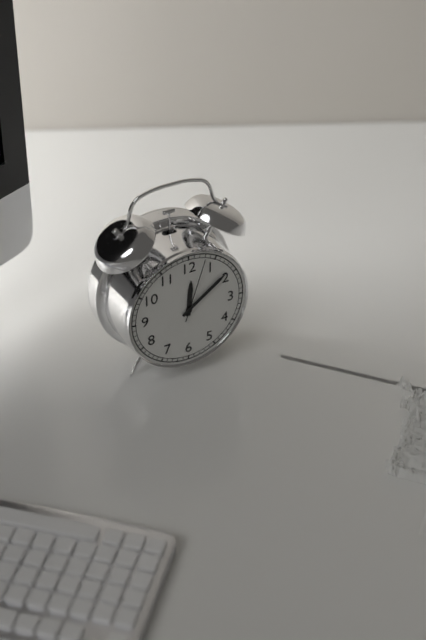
12:09:03
